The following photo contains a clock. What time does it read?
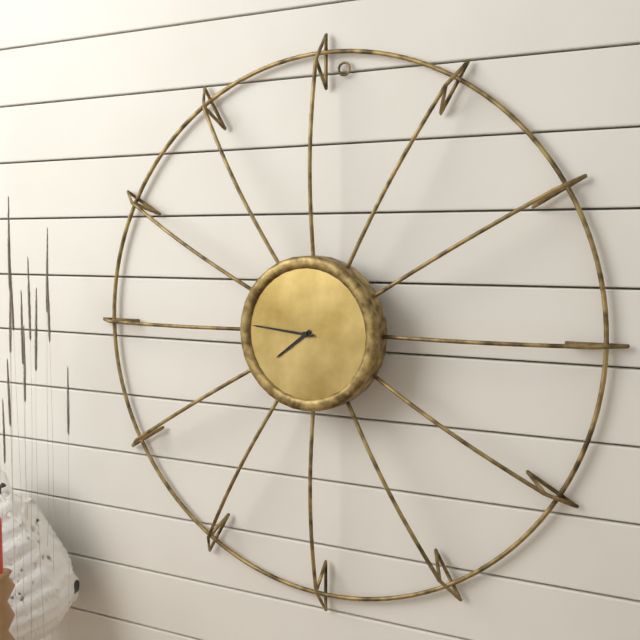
7:46
